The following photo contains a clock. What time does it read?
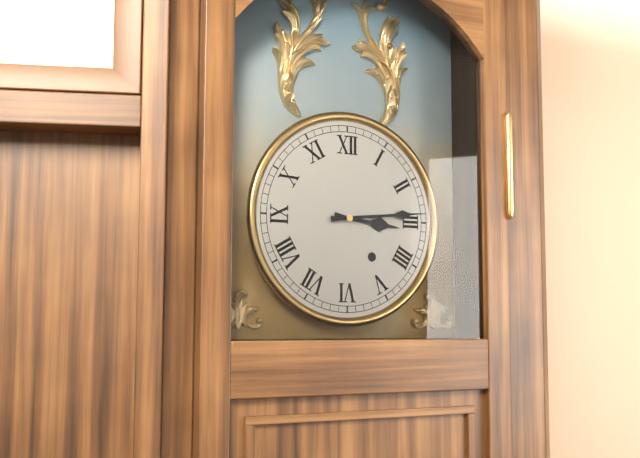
3:14
